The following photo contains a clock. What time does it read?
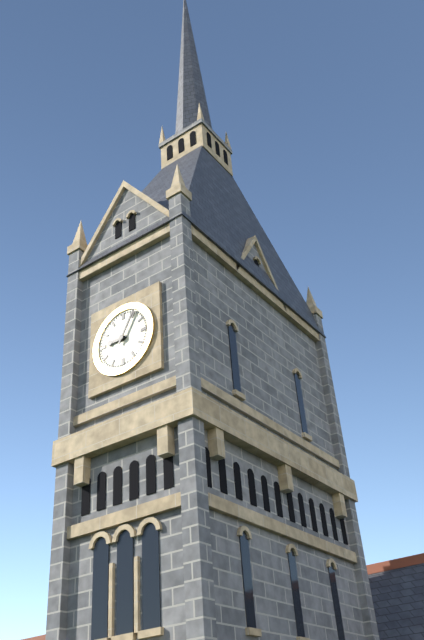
9:05
